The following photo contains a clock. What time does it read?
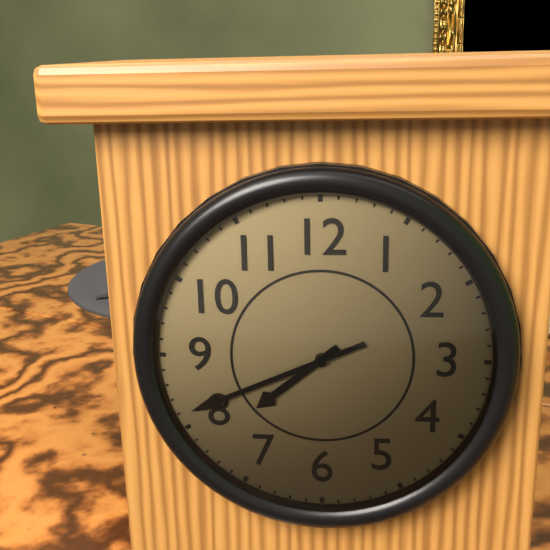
7:41
